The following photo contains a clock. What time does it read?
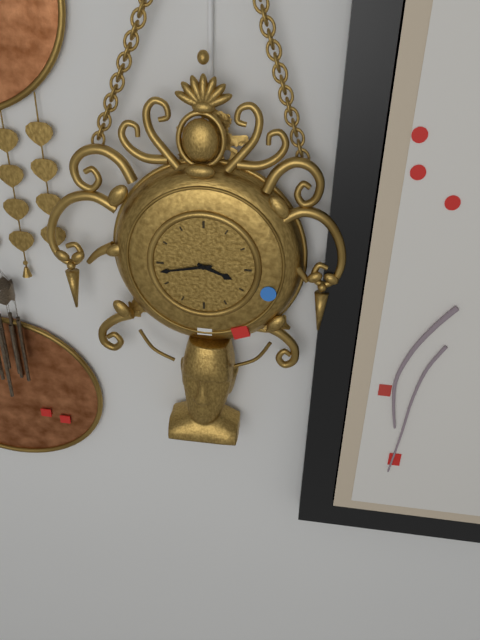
3:43
